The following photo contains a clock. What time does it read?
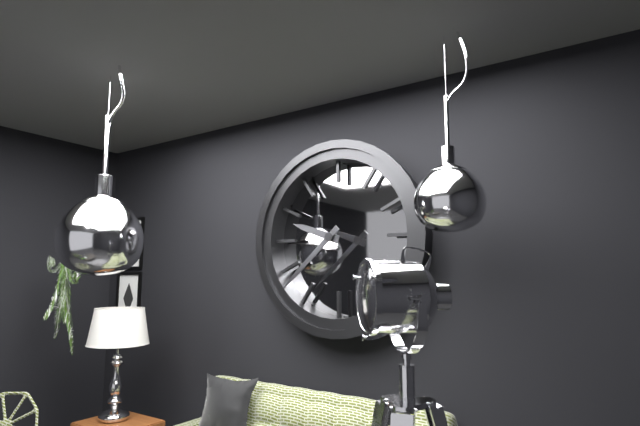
9:38
